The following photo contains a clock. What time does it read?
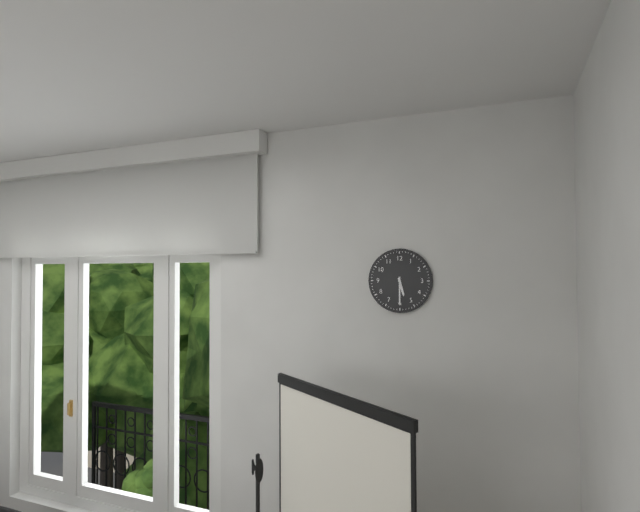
5:30
